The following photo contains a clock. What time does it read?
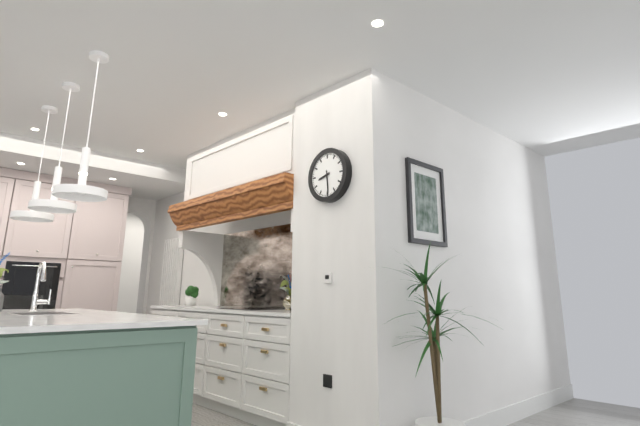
8:29
